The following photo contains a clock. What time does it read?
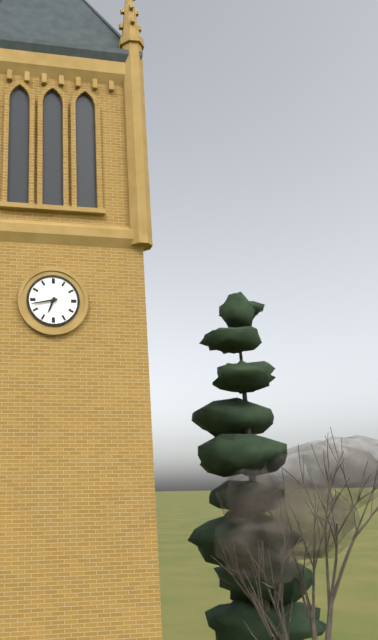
6:43
